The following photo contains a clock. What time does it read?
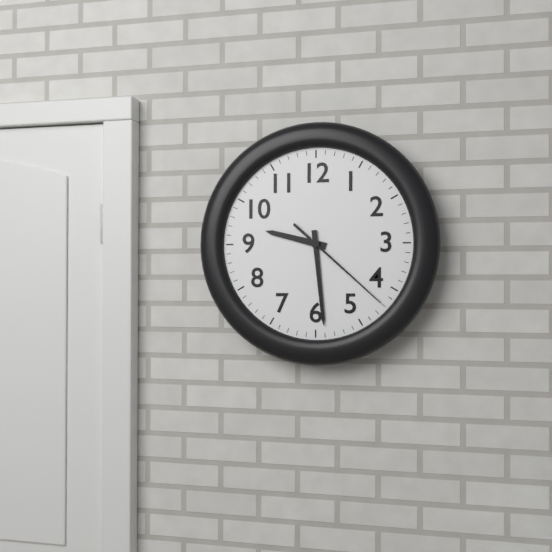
9:29:22
